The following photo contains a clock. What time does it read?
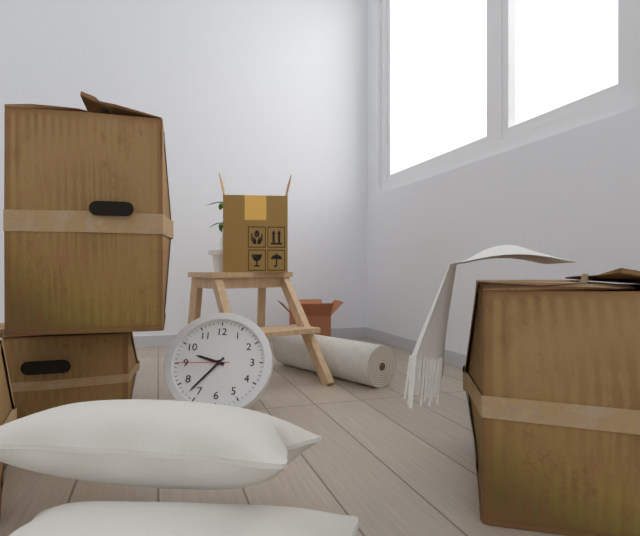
9:37:45
